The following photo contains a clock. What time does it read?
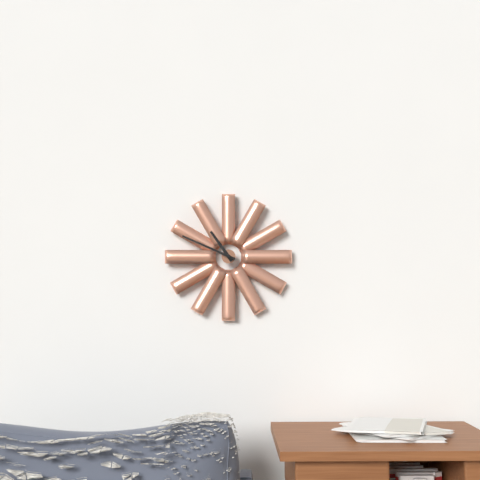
10:49
